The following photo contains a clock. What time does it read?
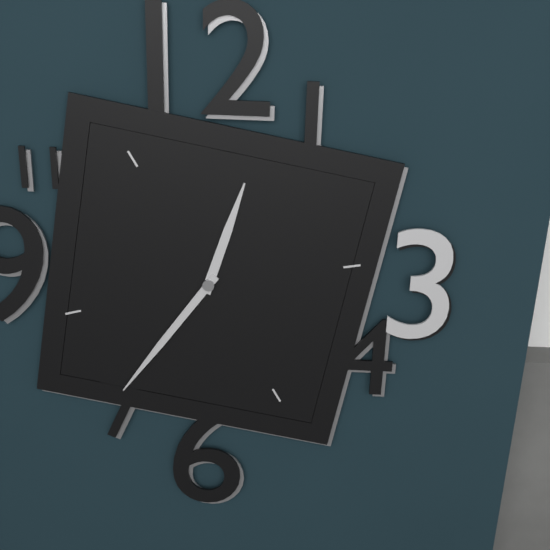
12:36
